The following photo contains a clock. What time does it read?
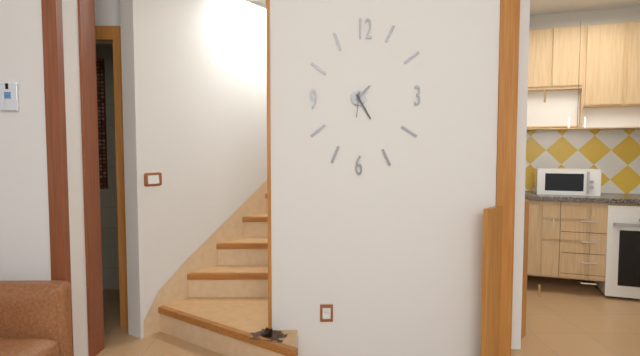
1:25
